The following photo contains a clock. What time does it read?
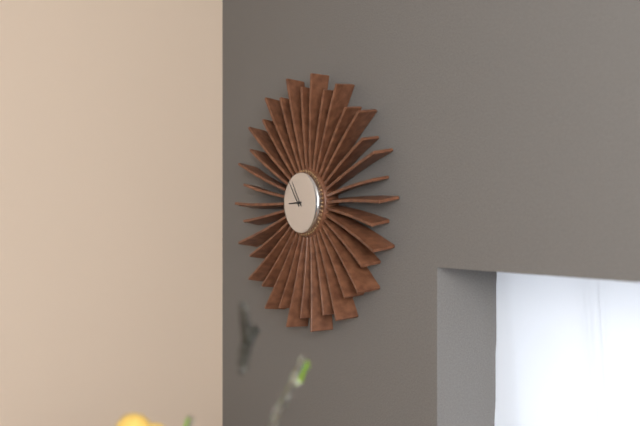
8:54
